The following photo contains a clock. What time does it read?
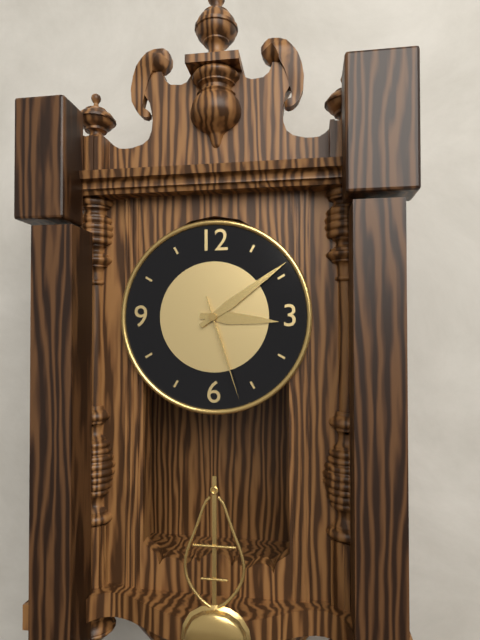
3:09:27
